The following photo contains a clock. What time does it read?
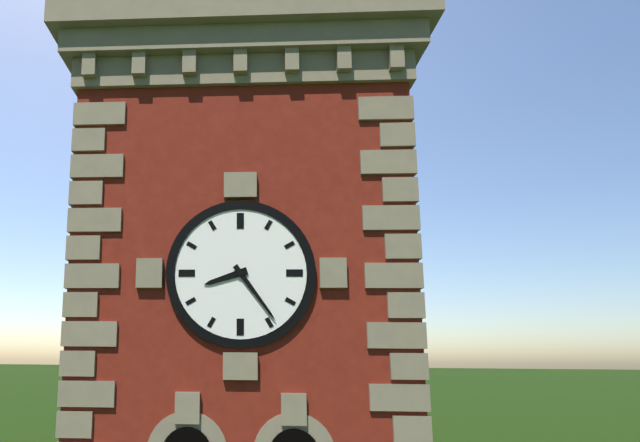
8:24
